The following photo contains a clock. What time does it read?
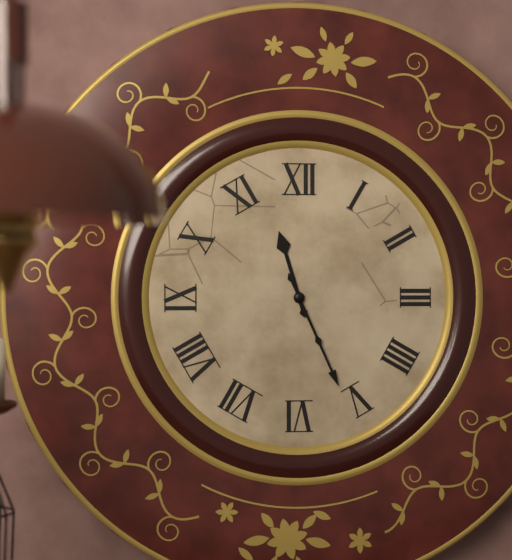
11:26
